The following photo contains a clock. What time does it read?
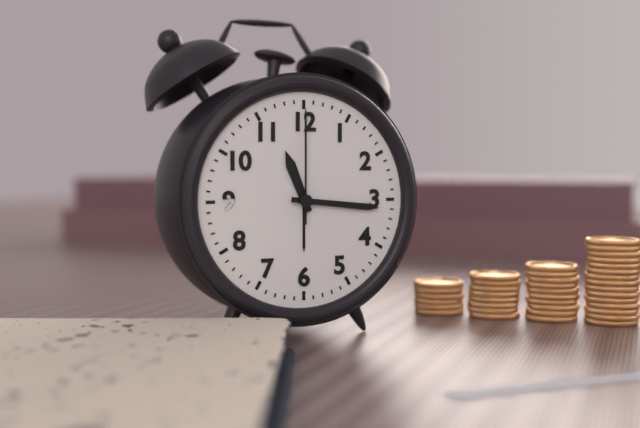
11:16:00
